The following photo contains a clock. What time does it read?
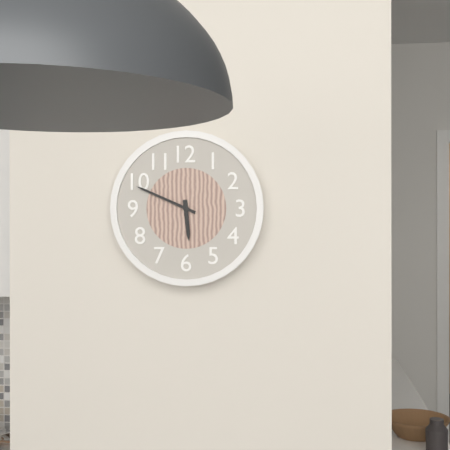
5:49
